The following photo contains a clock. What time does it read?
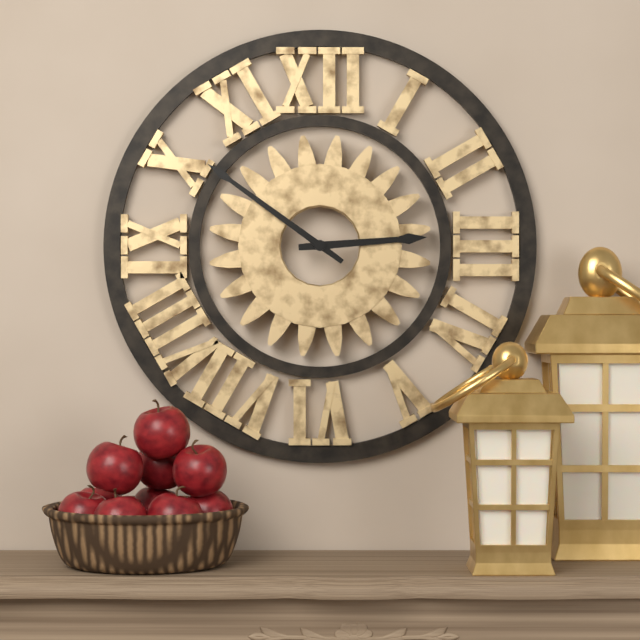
2:51
